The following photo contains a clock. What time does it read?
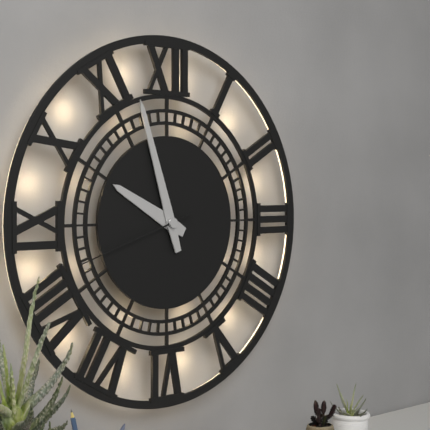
9:57:42
